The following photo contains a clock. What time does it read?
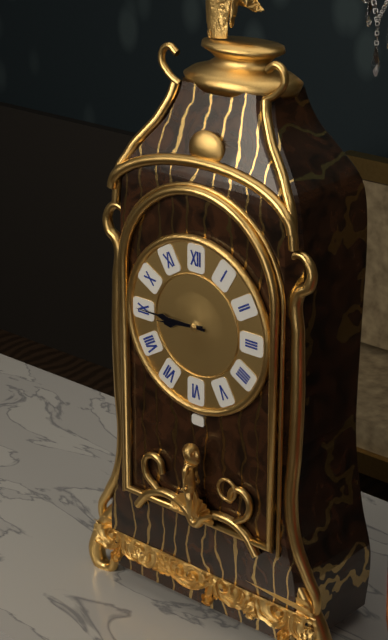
8:45
